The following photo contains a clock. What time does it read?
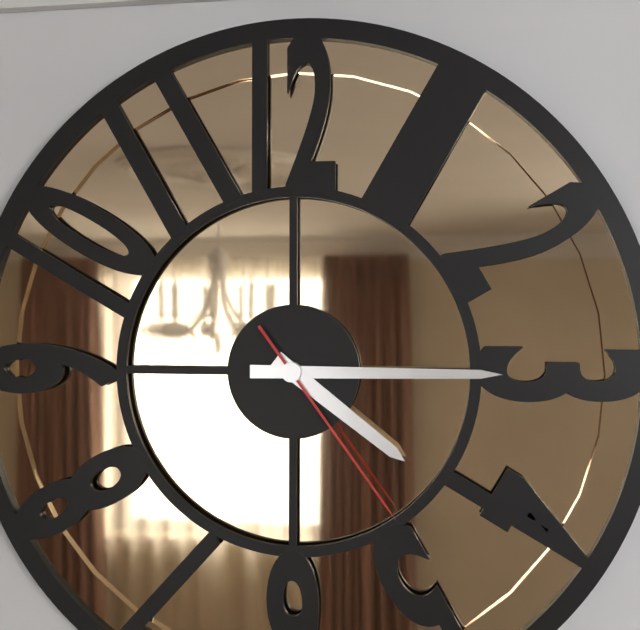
4:15:24
